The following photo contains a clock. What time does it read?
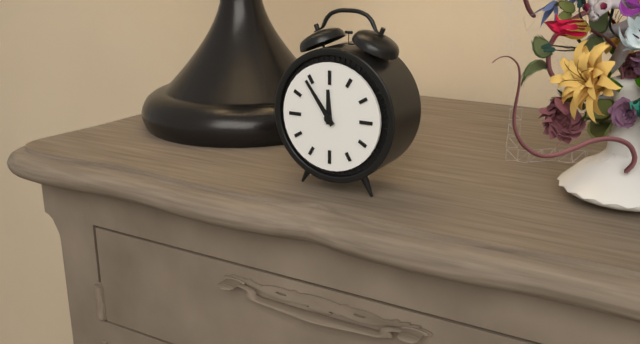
11:54
